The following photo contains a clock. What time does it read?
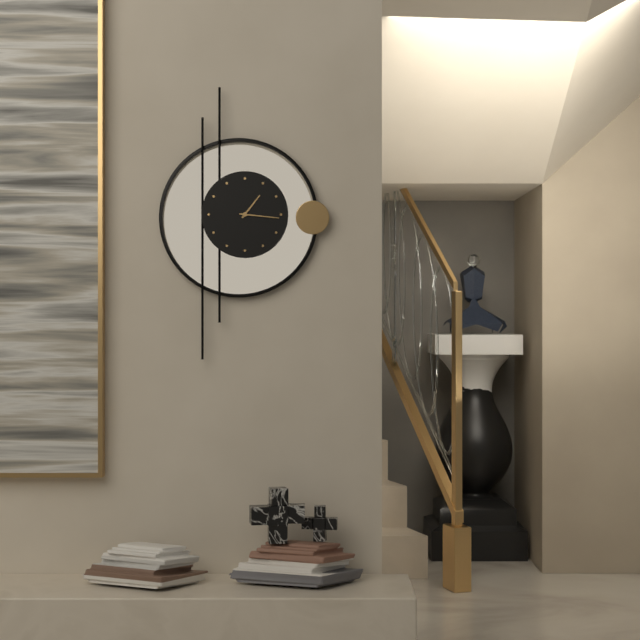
1:16
